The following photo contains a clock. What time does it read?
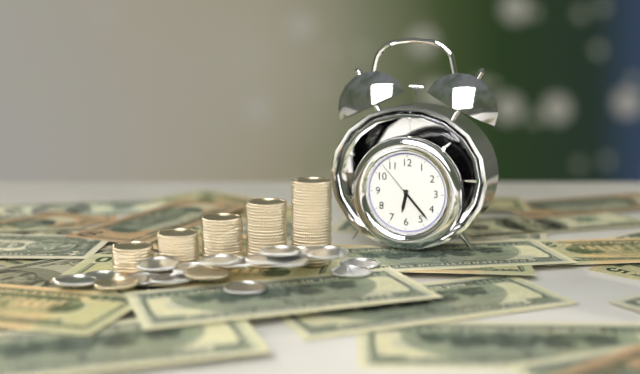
6:23
